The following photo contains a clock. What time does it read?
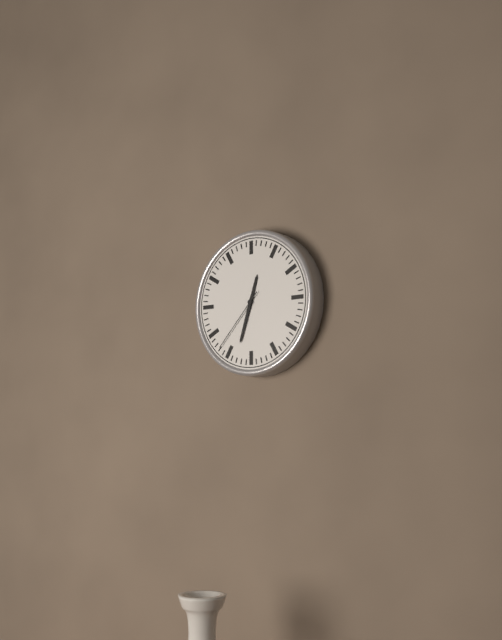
12:33:37
